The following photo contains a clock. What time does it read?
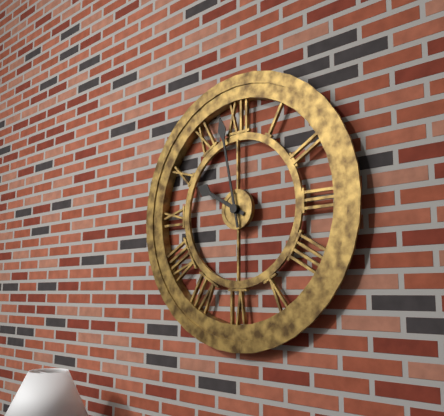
9:58
